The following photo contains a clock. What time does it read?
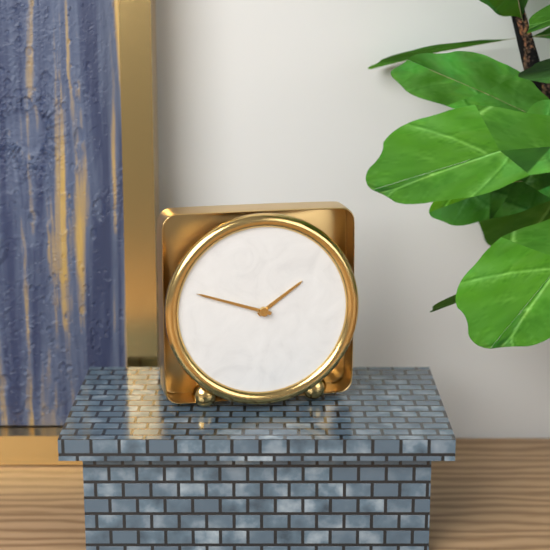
1:48
